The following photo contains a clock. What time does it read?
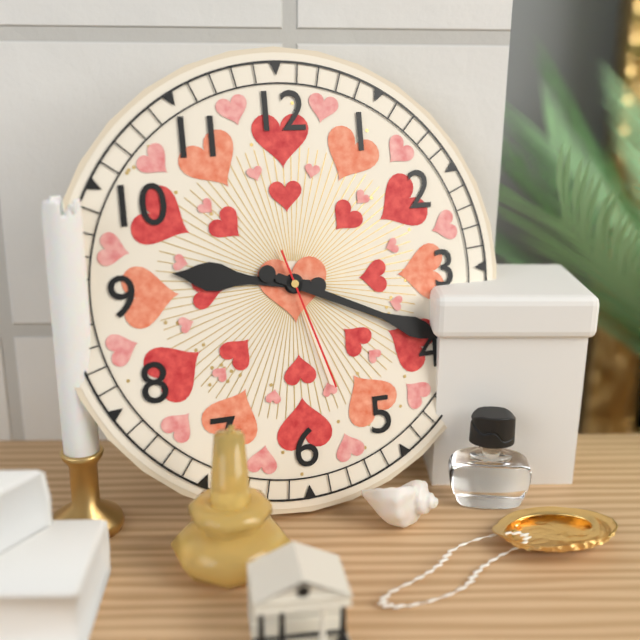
9:19:27
